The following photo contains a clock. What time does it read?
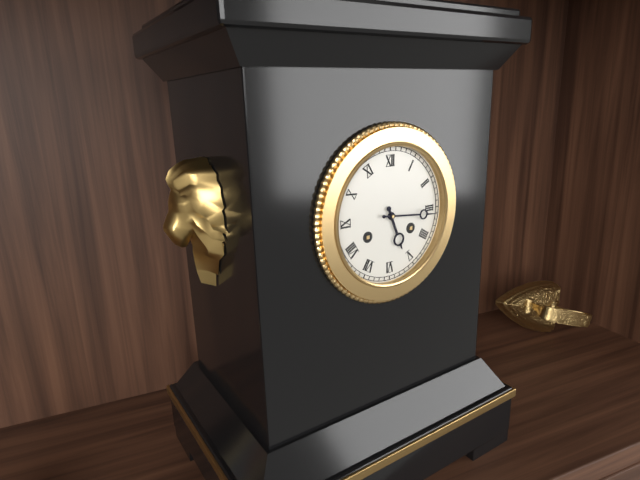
5:16
